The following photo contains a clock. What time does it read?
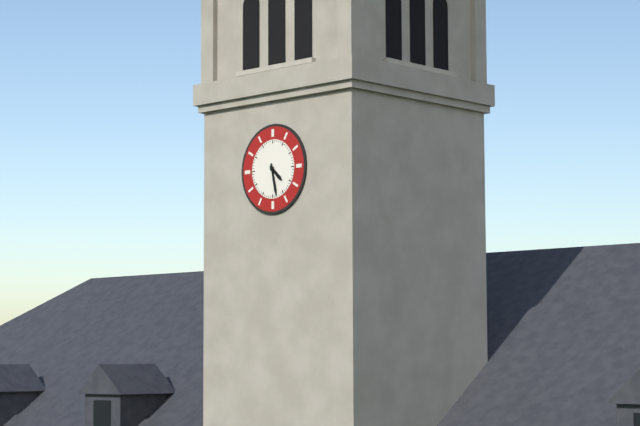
4:28
